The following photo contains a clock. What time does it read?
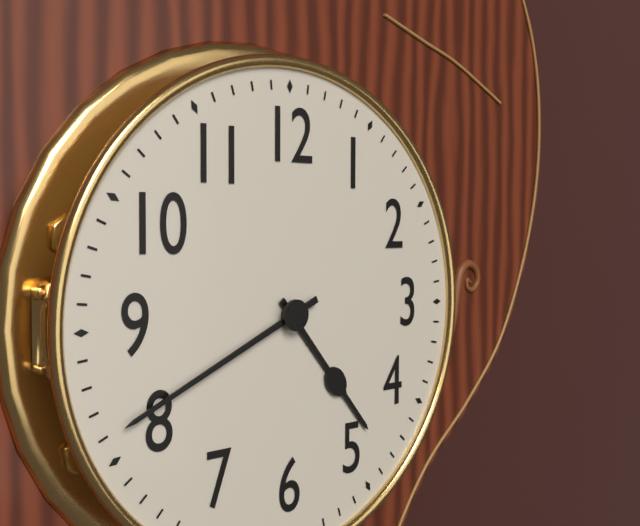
4:41
